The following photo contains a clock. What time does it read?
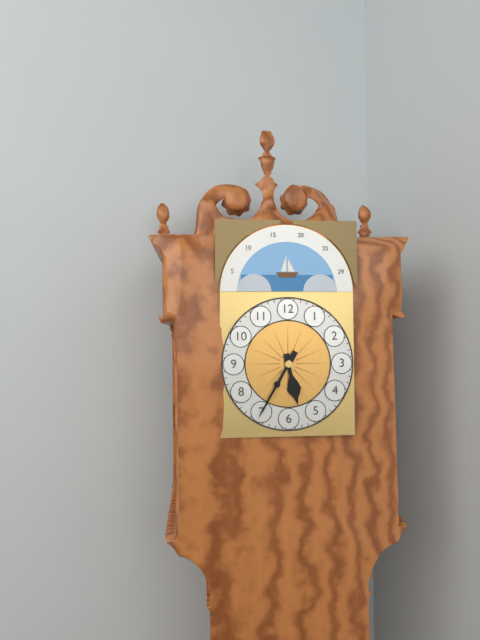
5:35
